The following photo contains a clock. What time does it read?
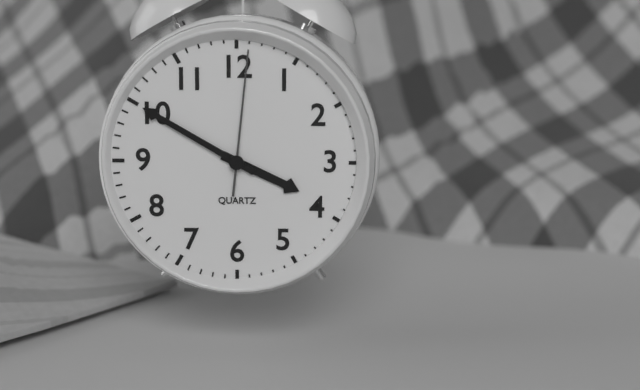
3:50:01
